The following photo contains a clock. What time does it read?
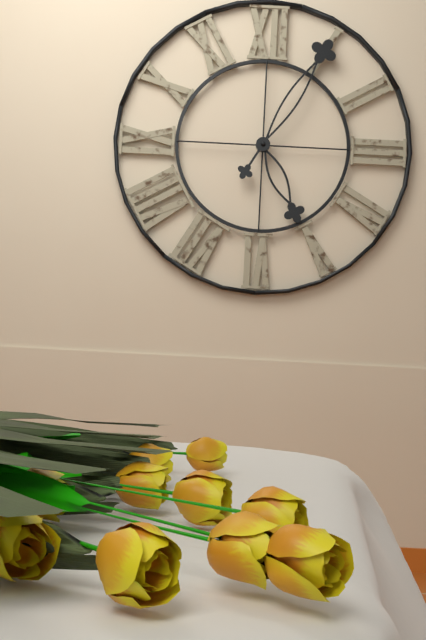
5:05
